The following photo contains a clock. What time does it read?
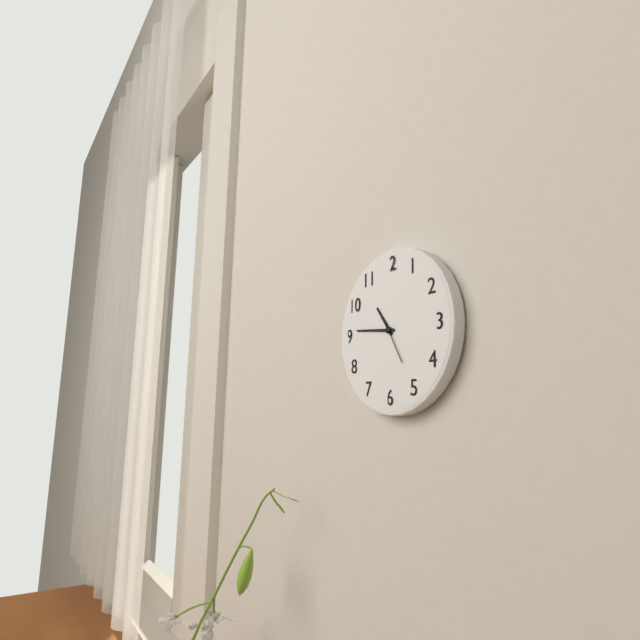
10:46
